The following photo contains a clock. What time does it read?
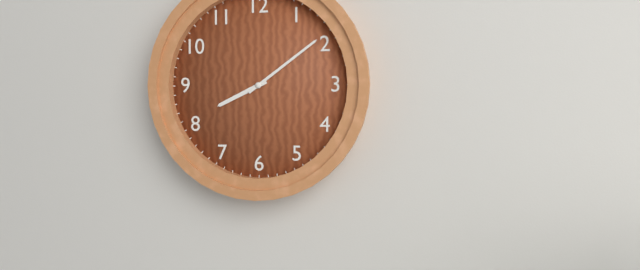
8:09
